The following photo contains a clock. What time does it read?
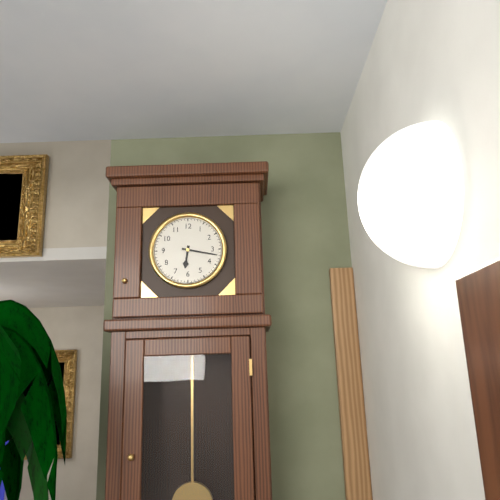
6:17
